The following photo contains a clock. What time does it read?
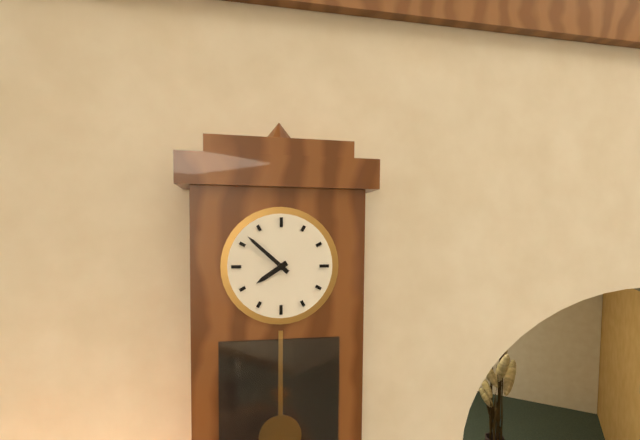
7:52
